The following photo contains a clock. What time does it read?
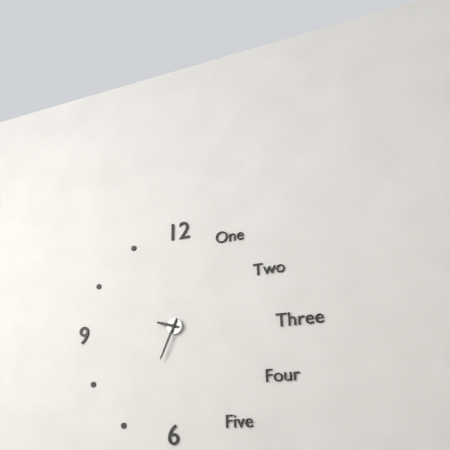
9:34
